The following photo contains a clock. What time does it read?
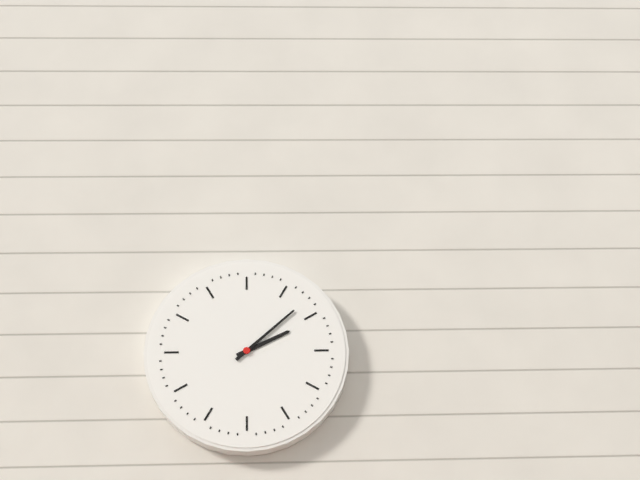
2:08
